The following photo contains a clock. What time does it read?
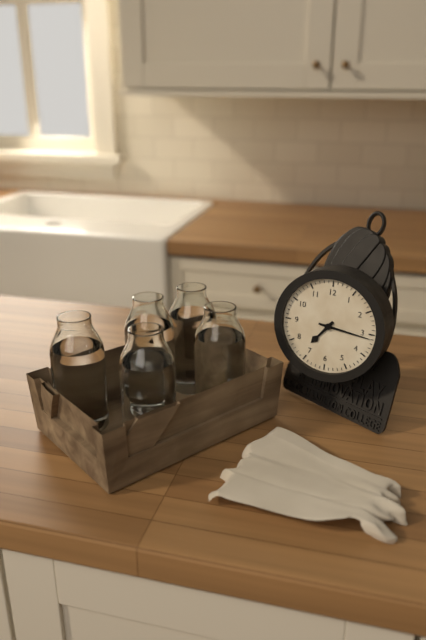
7:16
